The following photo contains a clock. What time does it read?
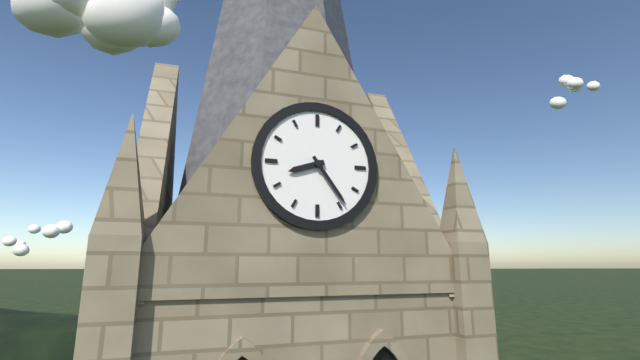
8:24
